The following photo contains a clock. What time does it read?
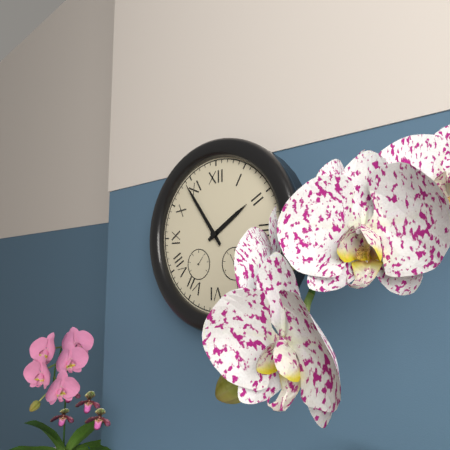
1:54
